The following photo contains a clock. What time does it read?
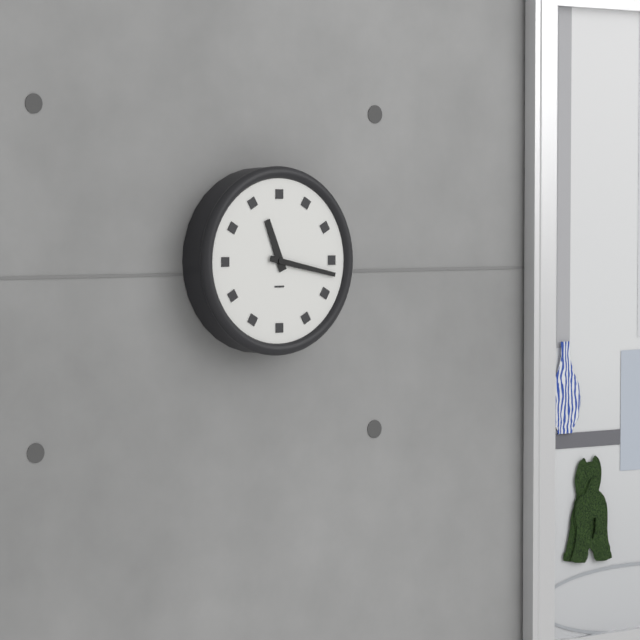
11:17
